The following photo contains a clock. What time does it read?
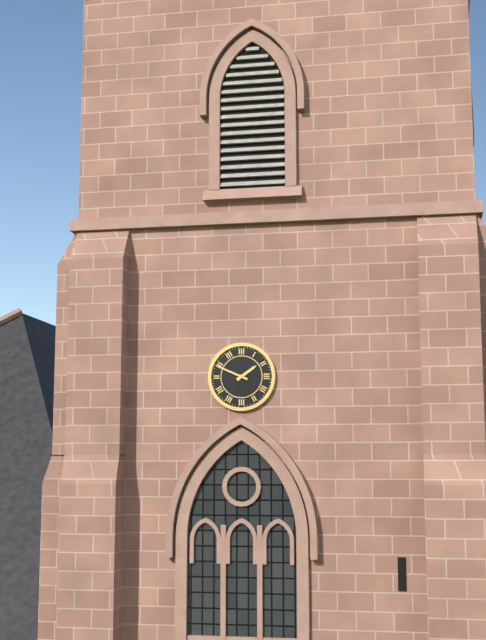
1:49
